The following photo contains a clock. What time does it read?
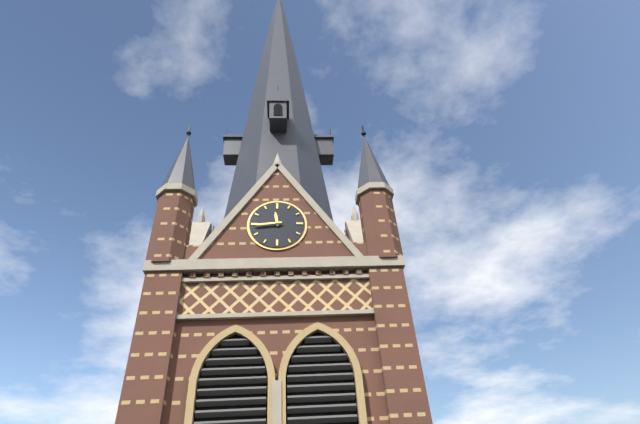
11:44
